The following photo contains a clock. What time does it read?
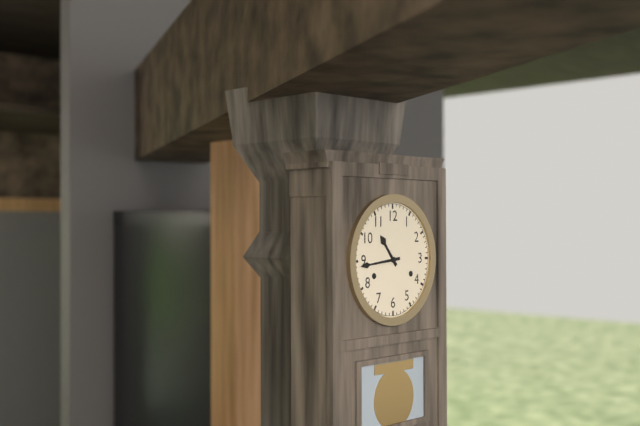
10:44
